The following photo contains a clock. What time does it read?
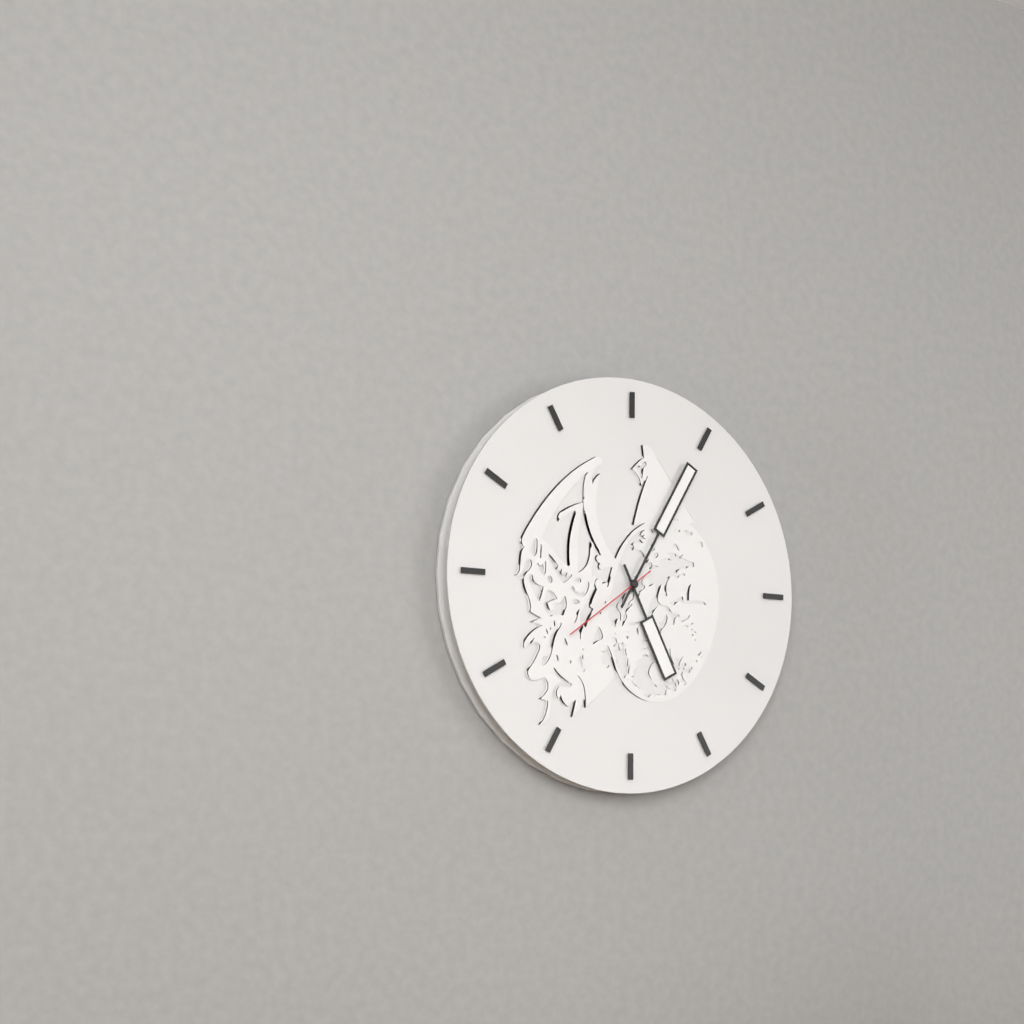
5:05:39
